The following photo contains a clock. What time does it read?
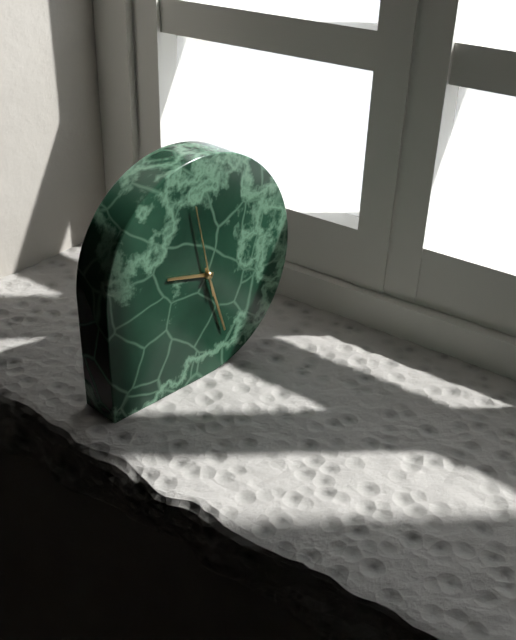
9:27:58
